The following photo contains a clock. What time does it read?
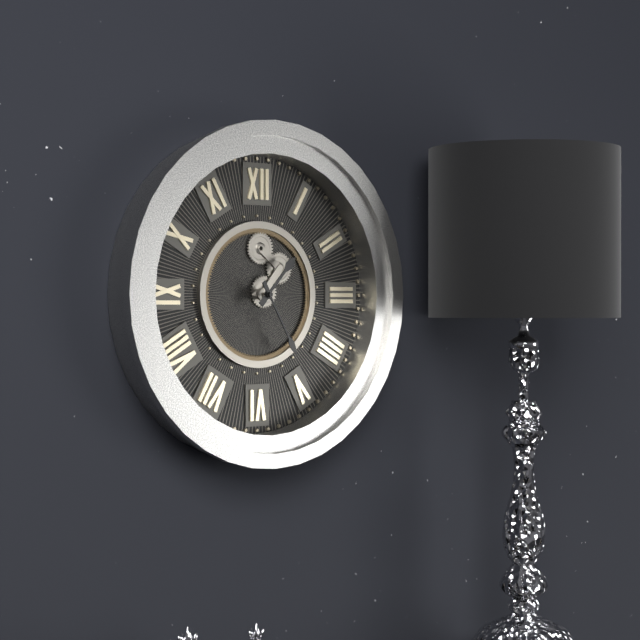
1:25
